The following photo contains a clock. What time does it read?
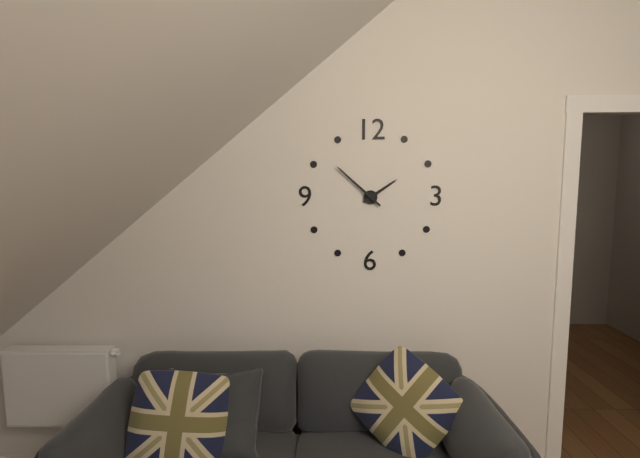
1:52
